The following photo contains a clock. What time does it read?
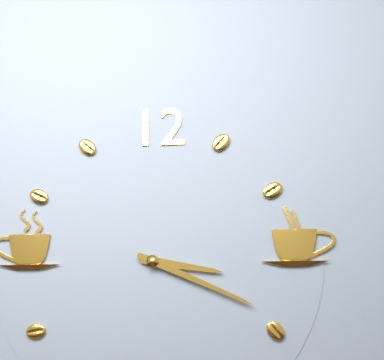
3:19
